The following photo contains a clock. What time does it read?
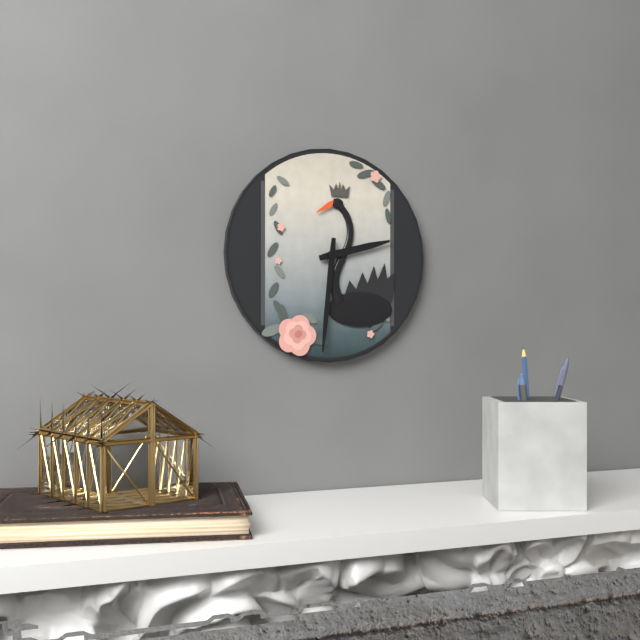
2:31
